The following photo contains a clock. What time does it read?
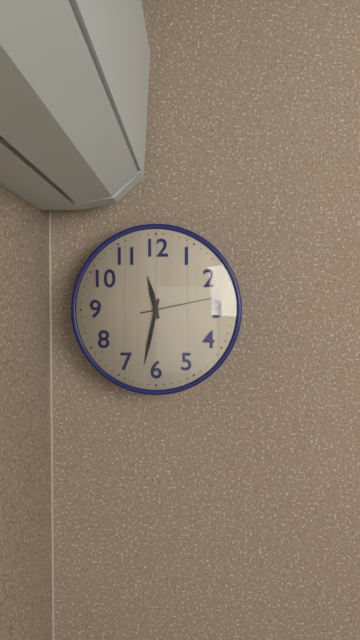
11:32:13
